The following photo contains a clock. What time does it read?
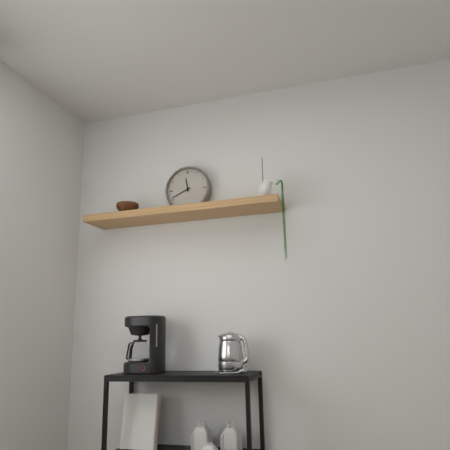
11:41
